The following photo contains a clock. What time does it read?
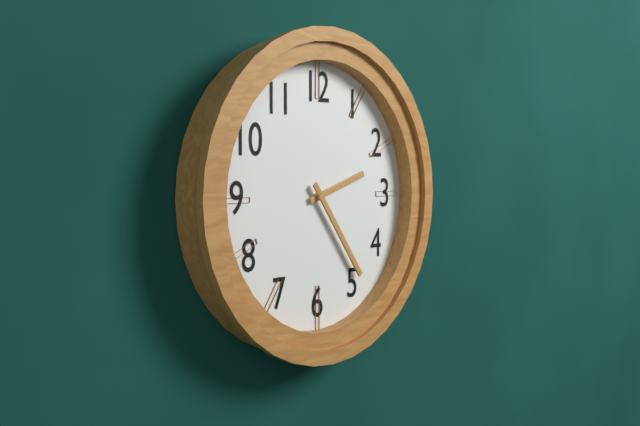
2:24
